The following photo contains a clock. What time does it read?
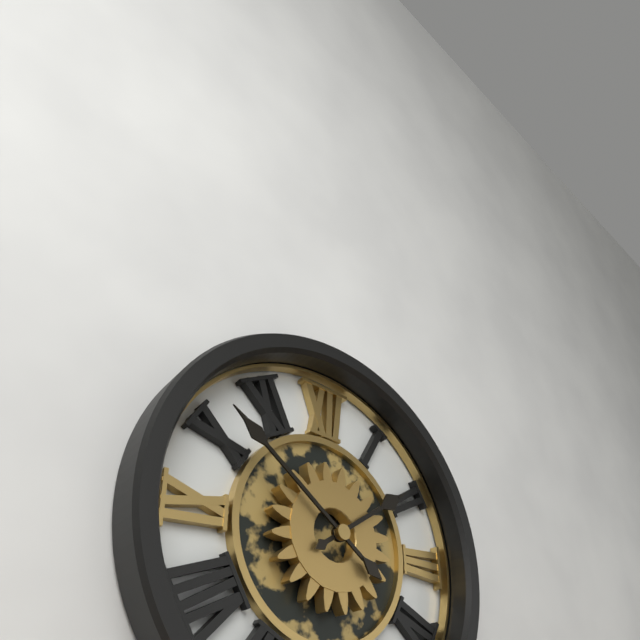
1:51
